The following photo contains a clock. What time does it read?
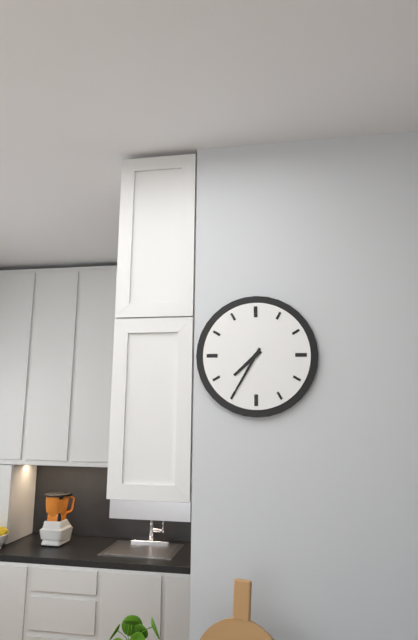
7:35
